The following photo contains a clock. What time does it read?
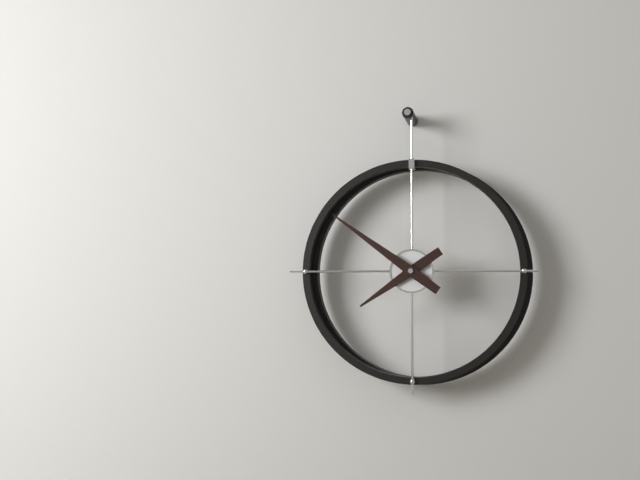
7:51
